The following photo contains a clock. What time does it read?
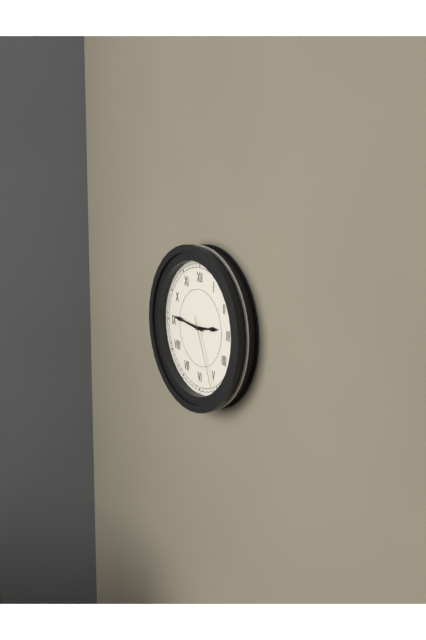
2:46:26
